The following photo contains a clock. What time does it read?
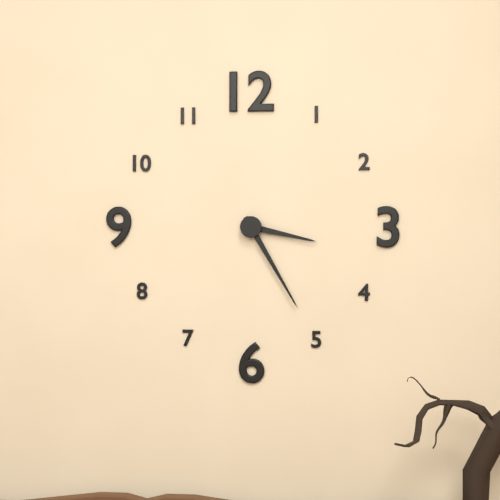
3:25
